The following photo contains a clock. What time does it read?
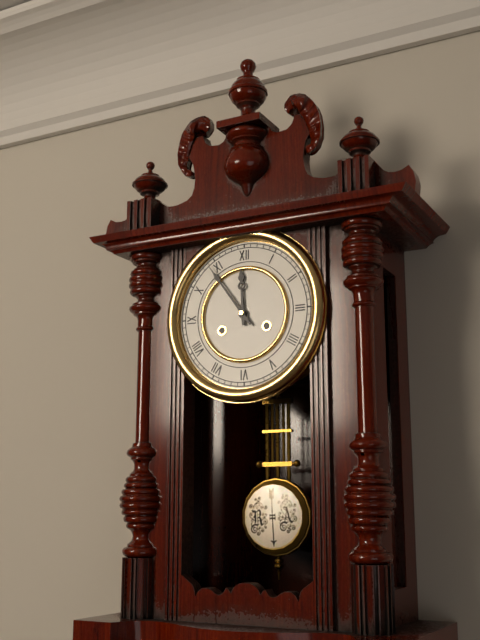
11:54
